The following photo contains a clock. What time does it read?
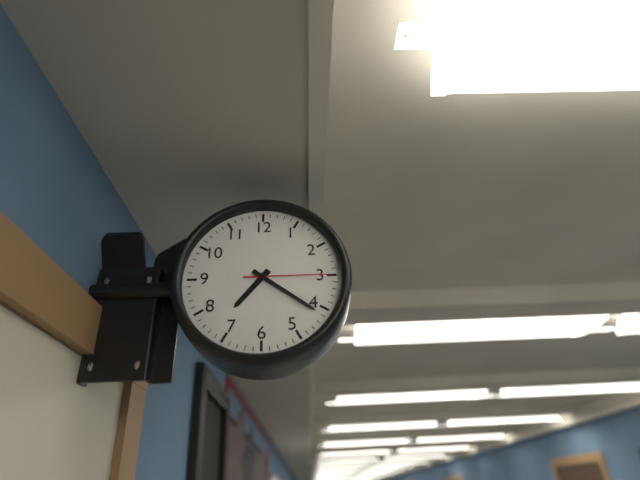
7:21:15
